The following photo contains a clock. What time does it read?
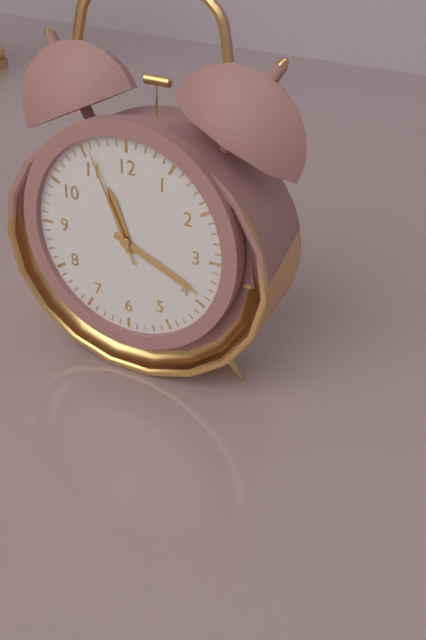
11:19:56
